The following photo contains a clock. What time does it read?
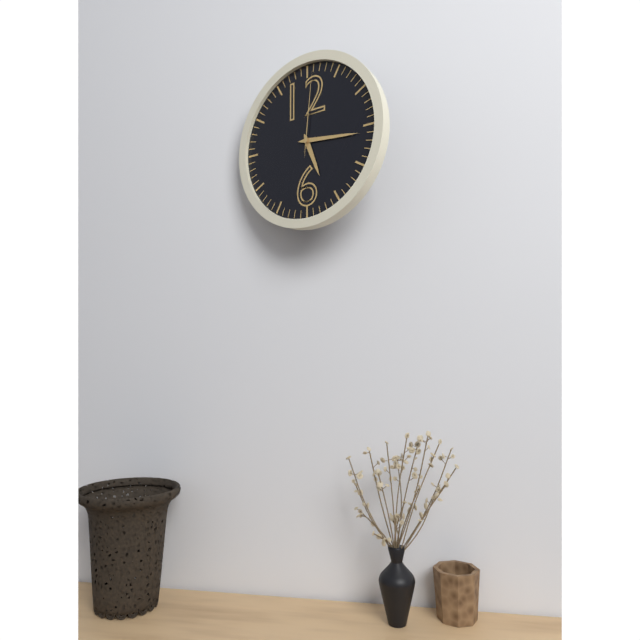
5:16:01
